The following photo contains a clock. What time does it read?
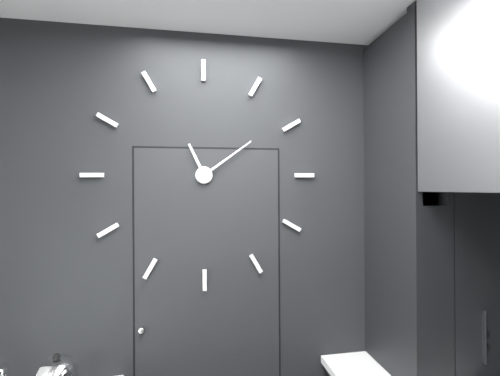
11:09
